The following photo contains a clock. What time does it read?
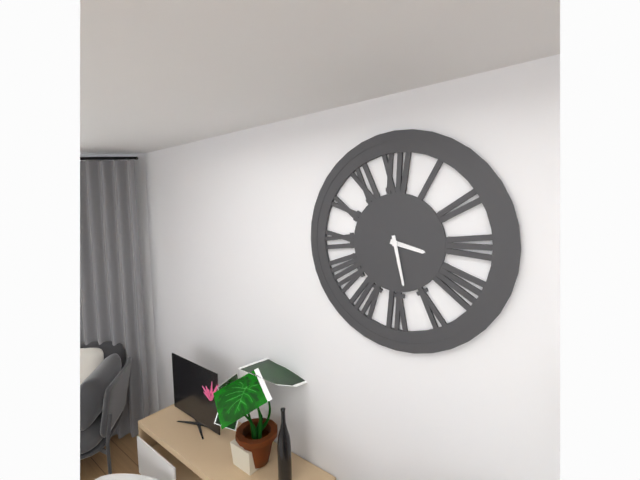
3:28
